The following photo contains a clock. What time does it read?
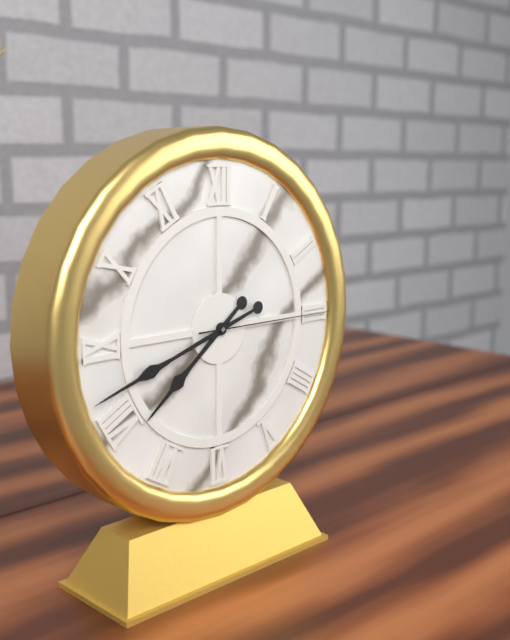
7:42:15
